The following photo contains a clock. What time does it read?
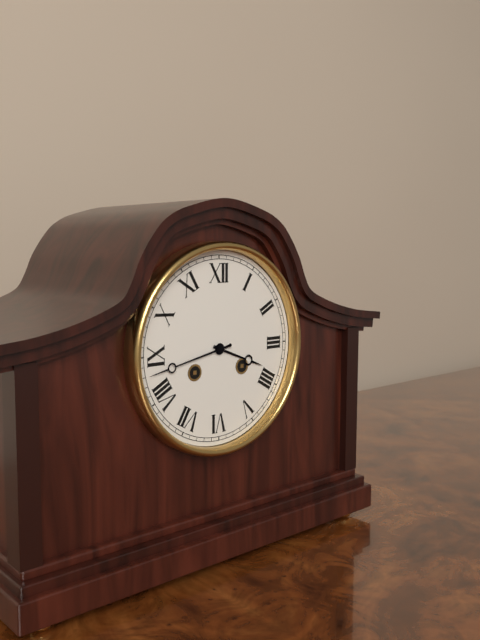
3:43
